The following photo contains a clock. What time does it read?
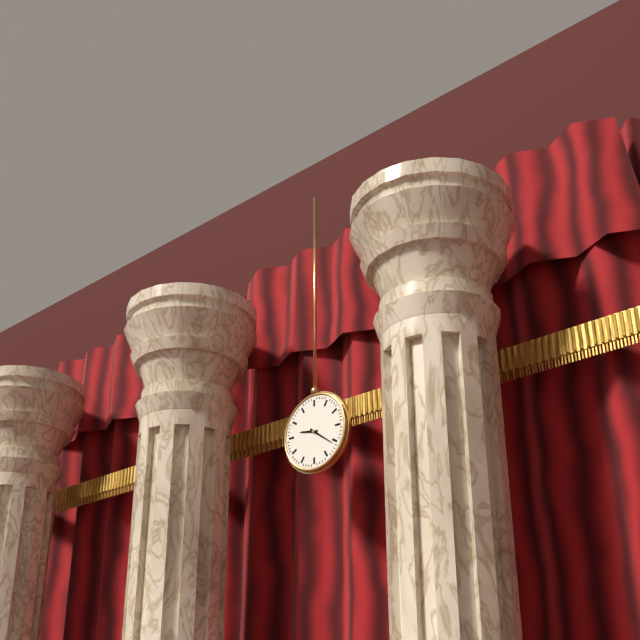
9:21
